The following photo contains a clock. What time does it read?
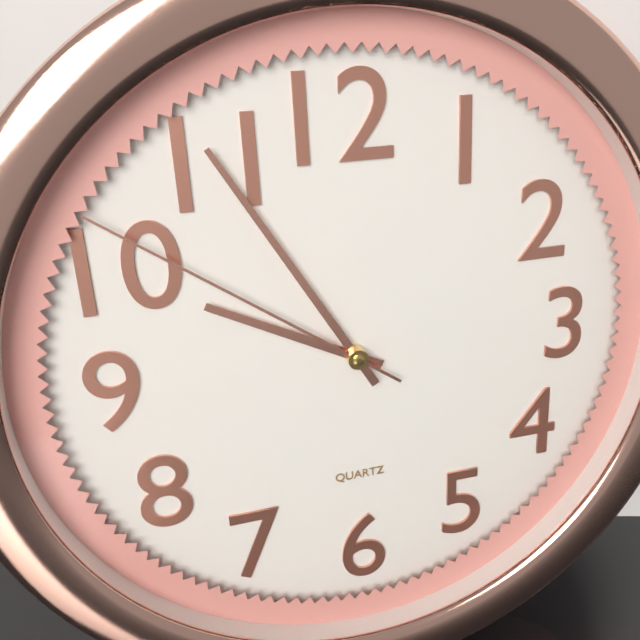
9:55:51
